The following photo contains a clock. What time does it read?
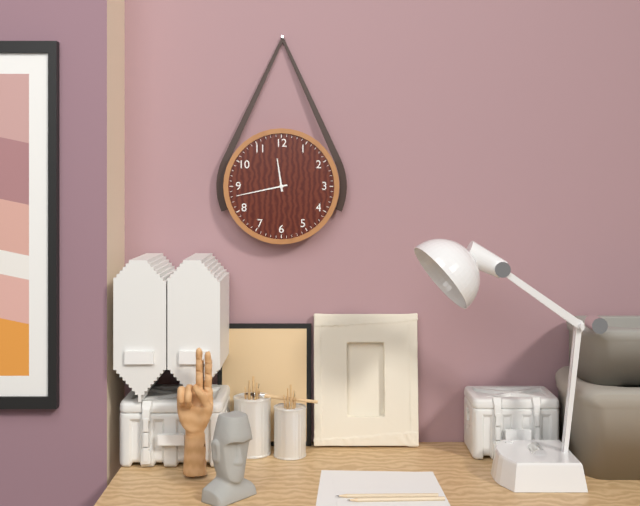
11:43
